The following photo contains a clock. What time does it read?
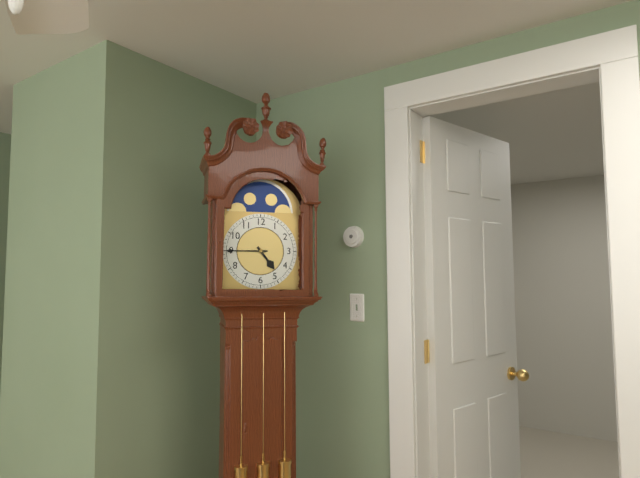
4:45
